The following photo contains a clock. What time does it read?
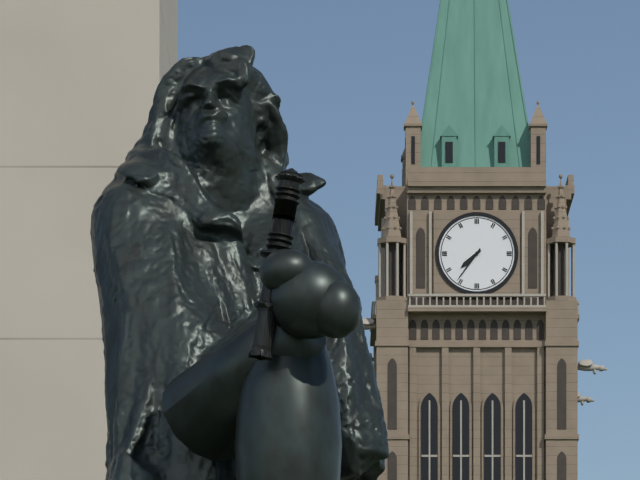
7:36
